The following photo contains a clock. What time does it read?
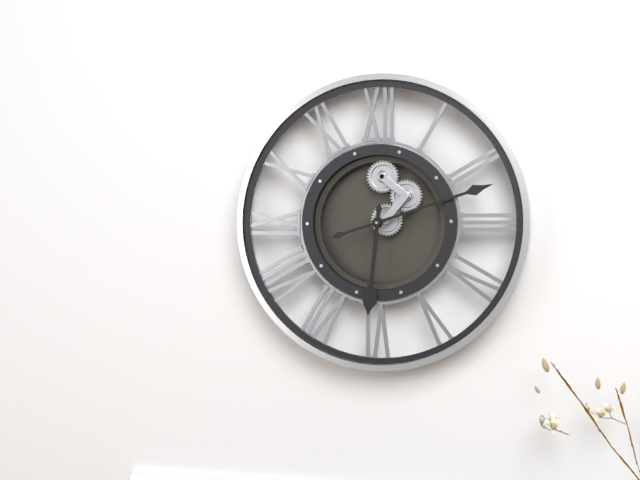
6:12
